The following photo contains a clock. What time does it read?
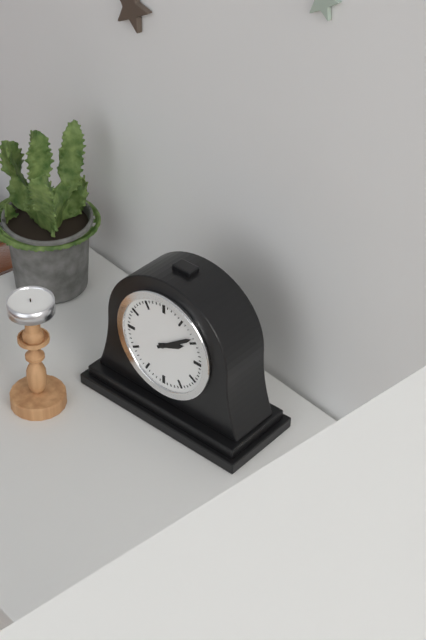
2:09
